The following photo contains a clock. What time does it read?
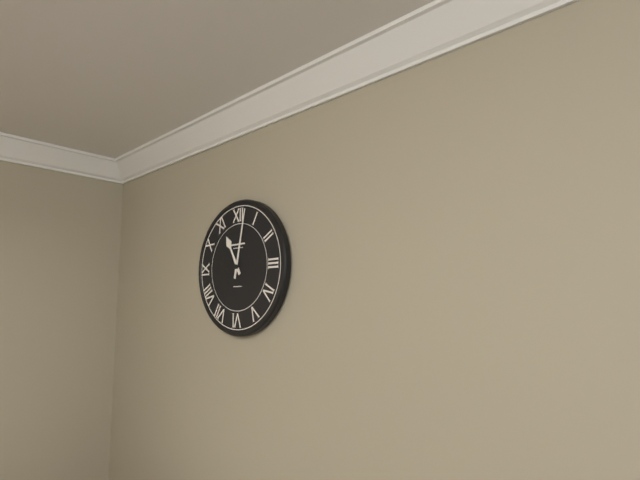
11:02
